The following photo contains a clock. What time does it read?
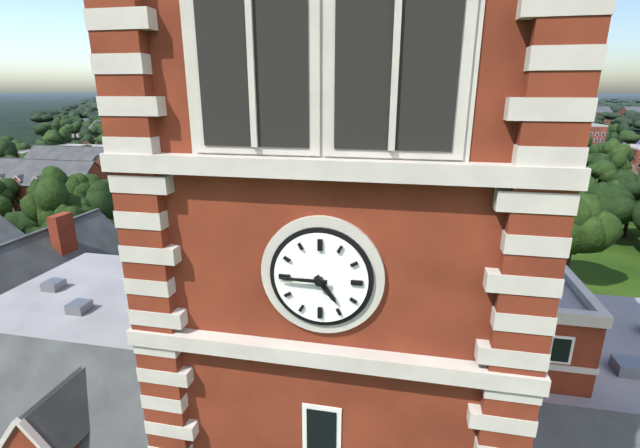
4:45
